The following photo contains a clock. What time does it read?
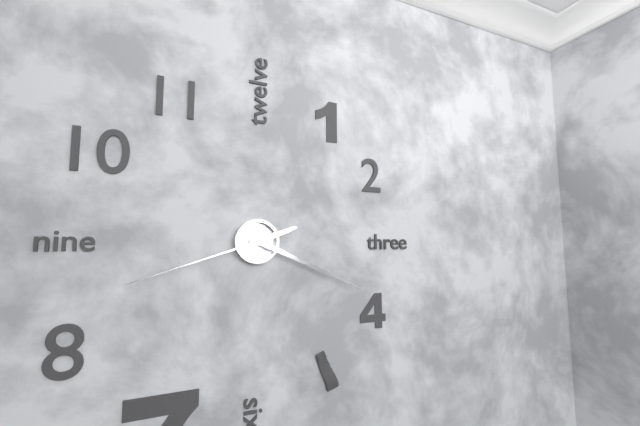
2:19:42
